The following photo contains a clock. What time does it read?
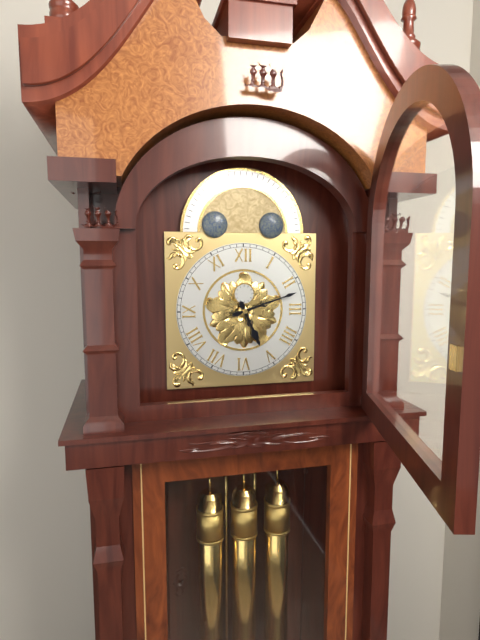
5:12
